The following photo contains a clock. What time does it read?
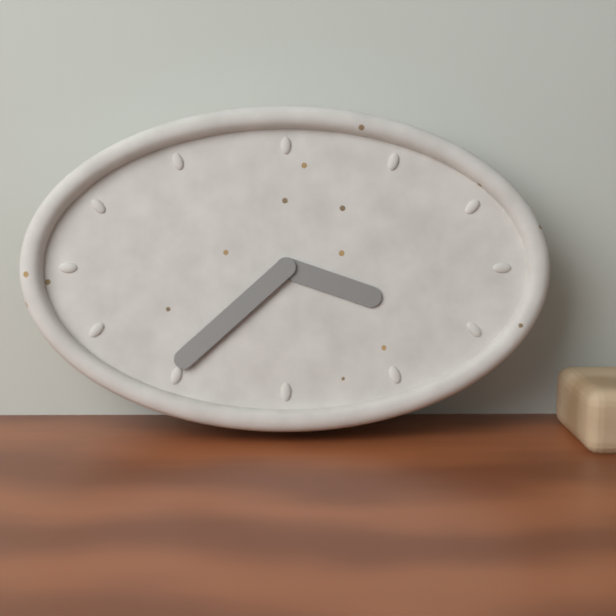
3:38
